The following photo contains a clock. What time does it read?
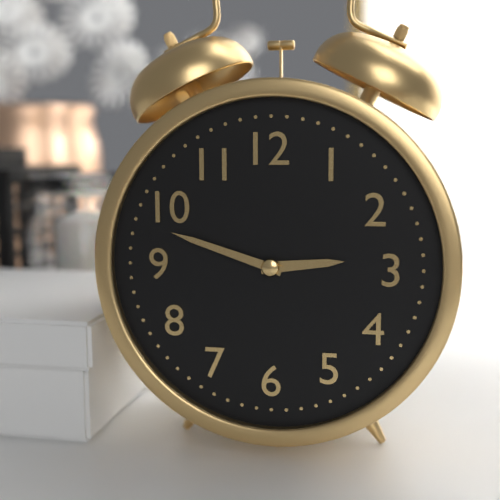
2:48
